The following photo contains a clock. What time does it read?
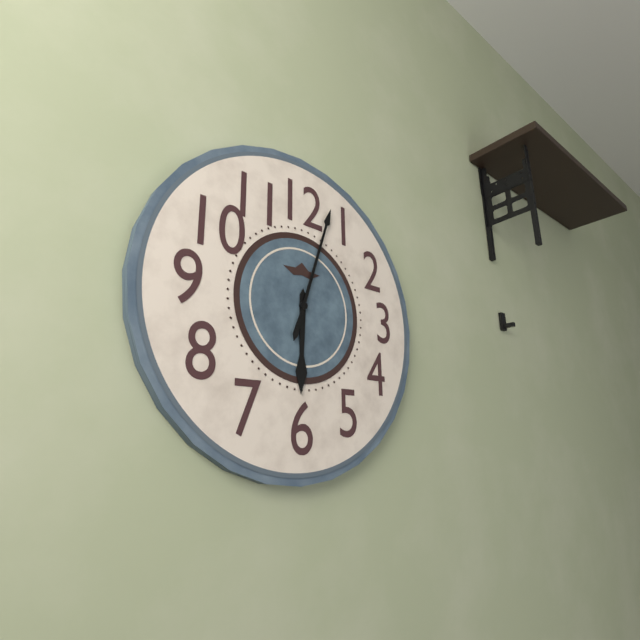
6:03
